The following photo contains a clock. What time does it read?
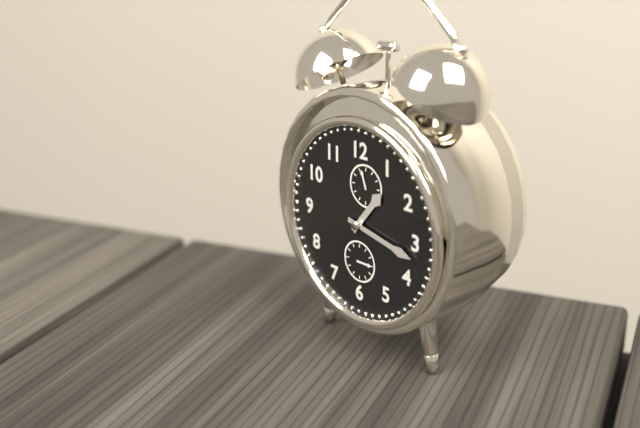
1:17
